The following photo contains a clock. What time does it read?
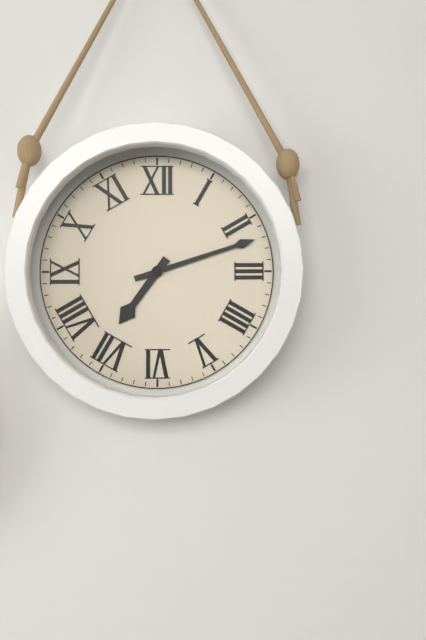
7:12
